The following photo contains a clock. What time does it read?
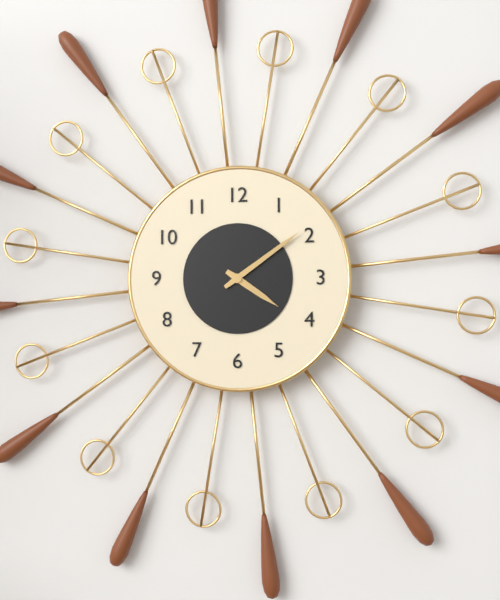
4:09
